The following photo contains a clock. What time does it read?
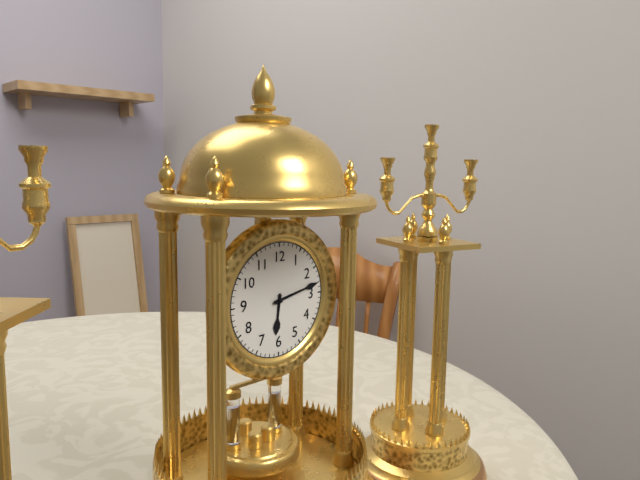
6:13
